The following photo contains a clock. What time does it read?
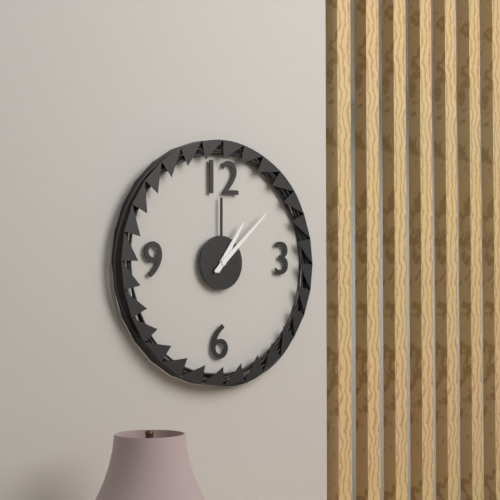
1:08
